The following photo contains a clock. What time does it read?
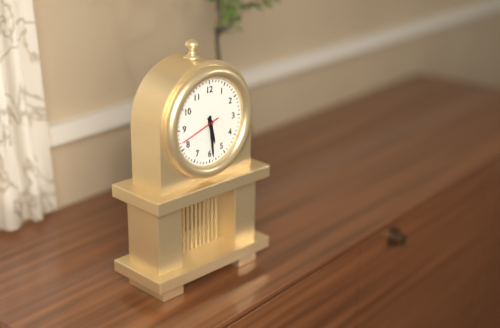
5:29
